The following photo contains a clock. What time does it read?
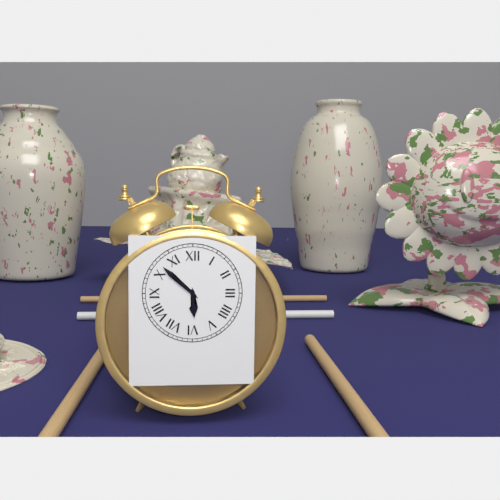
5:52
